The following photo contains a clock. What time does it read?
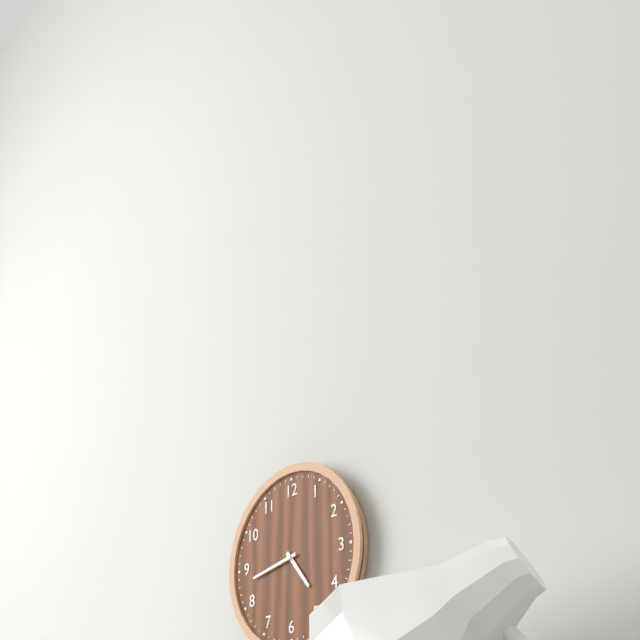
4:43
